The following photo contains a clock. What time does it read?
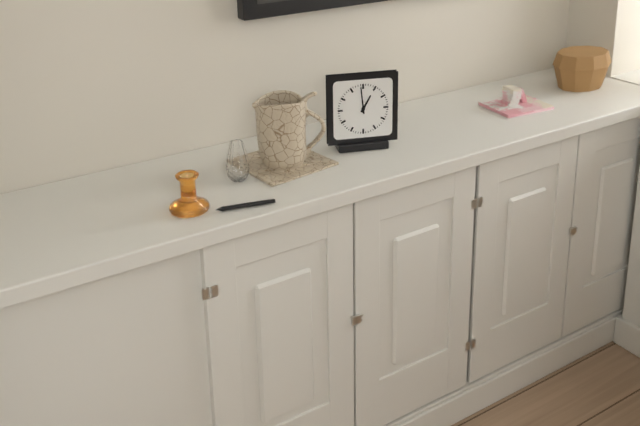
12:59
